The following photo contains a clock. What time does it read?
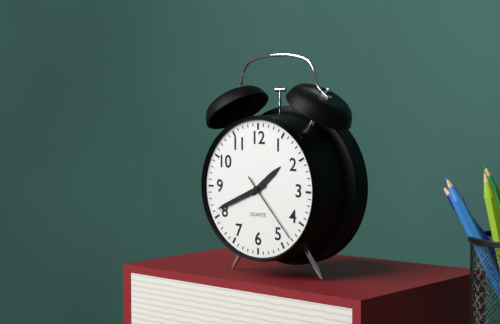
1:41:23
